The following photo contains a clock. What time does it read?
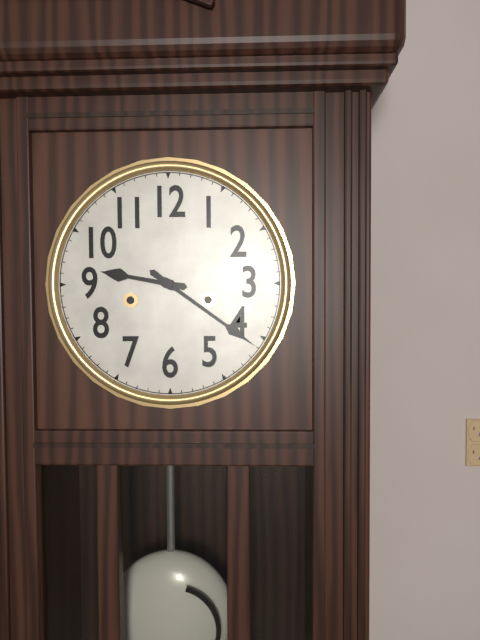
9:21
